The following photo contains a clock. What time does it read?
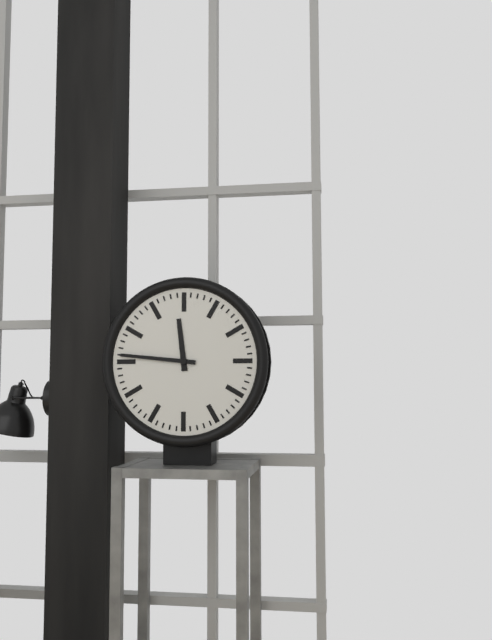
11:46
